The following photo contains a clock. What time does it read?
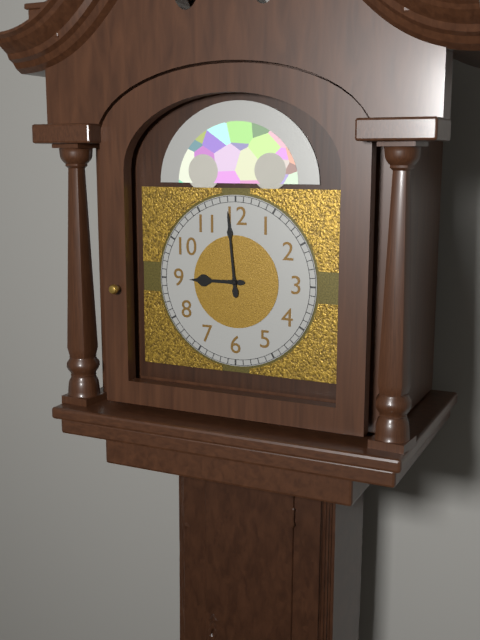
8:59
